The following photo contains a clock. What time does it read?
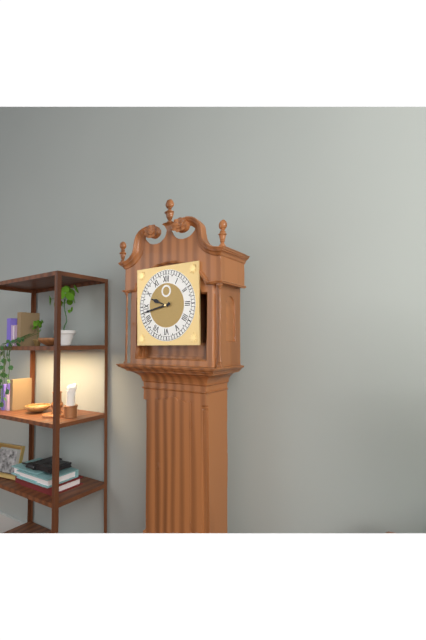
9:43
